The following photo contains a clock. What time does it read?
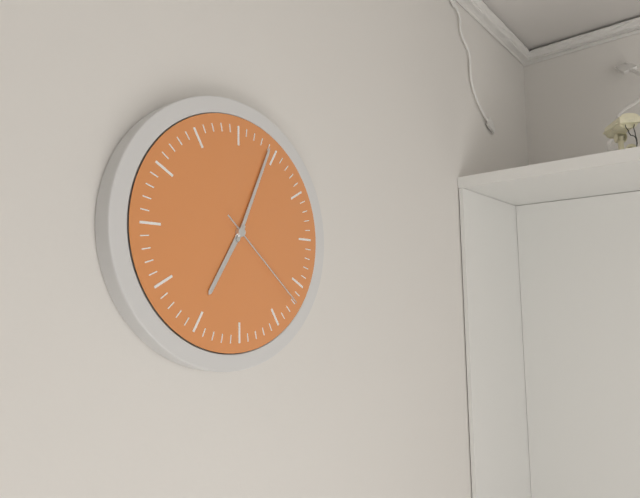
7:04:22
